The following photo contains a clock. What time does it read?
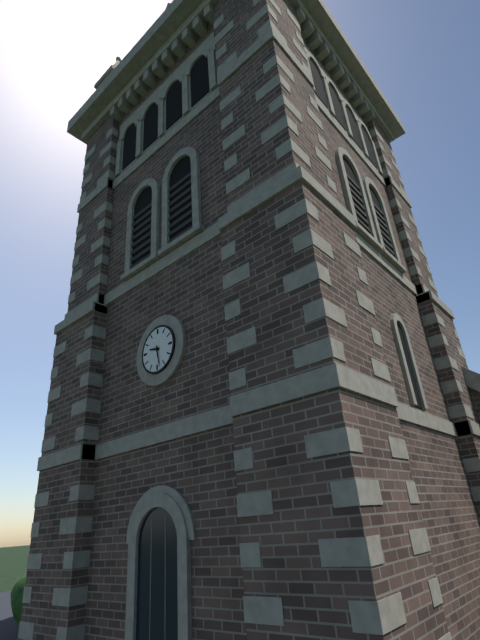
9:28
